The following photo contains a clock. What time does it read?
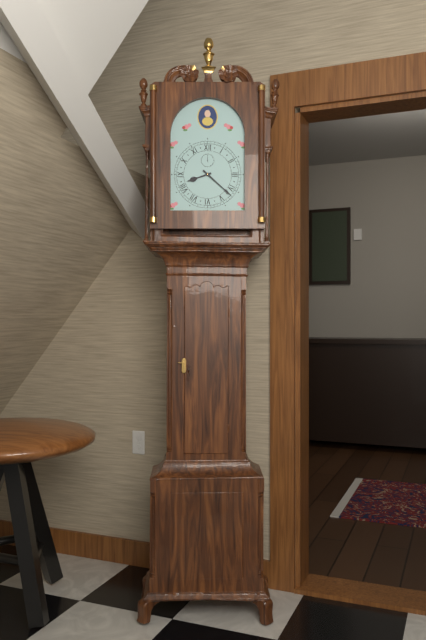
8:22
